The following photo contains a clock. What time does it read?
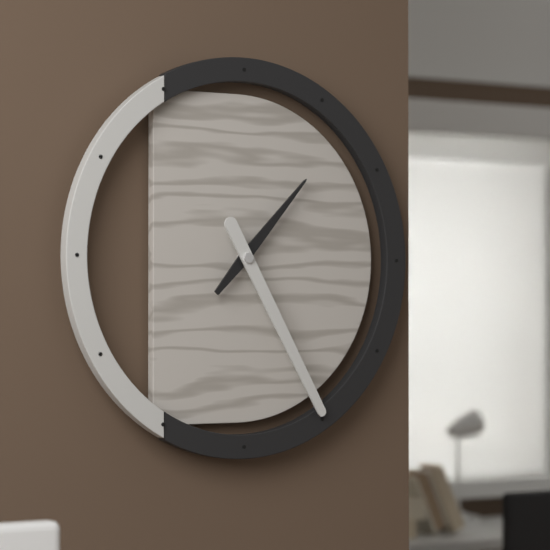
1:25
